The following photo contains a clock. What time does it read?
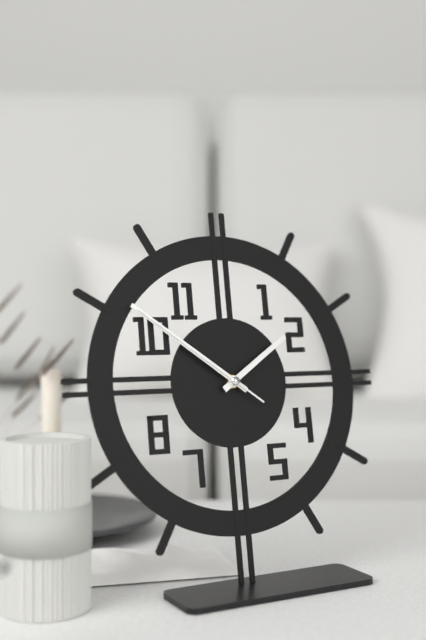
1:51:51
